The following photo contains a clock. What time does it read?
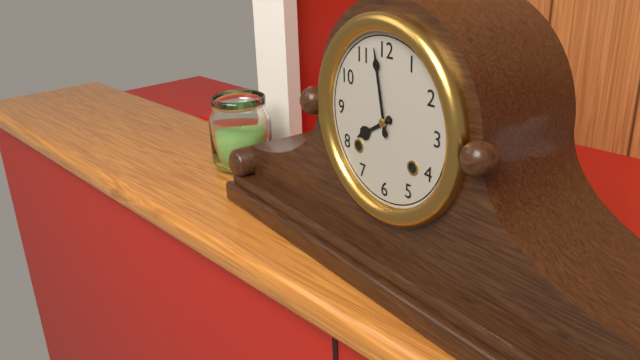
7:58
